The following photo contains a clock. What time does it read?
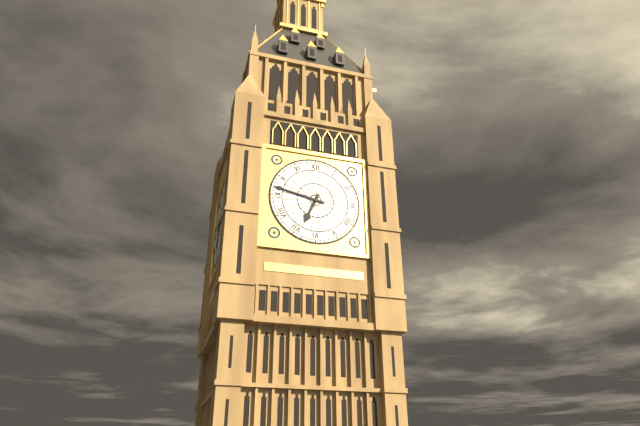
6:47
